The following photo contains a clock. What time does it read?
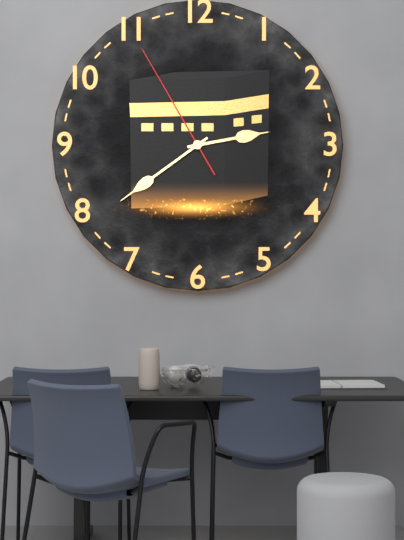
2:39:55
